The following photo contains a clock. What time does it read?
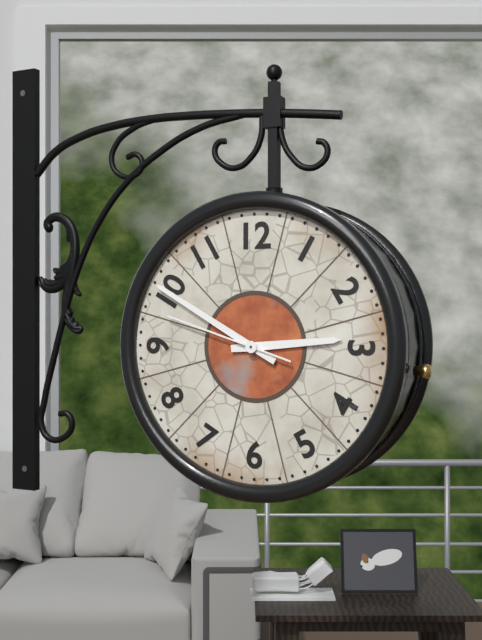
2:50:48
